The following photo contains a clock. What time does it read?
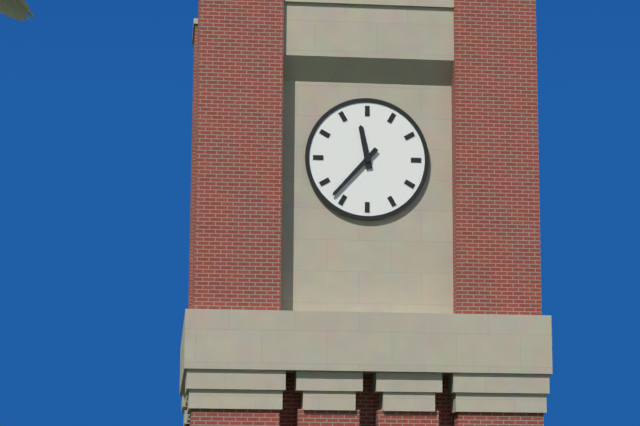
11:37
